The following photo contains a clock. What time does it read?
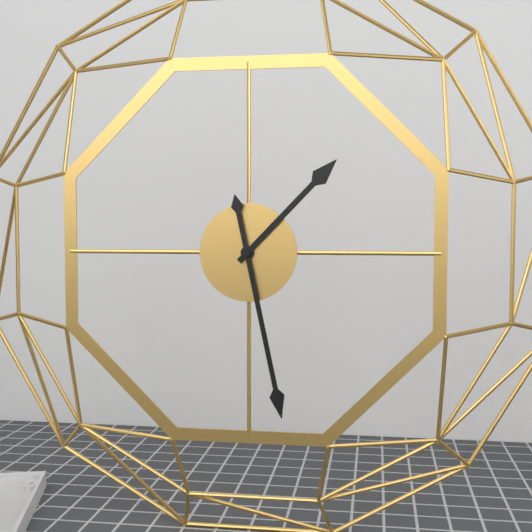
1:28
